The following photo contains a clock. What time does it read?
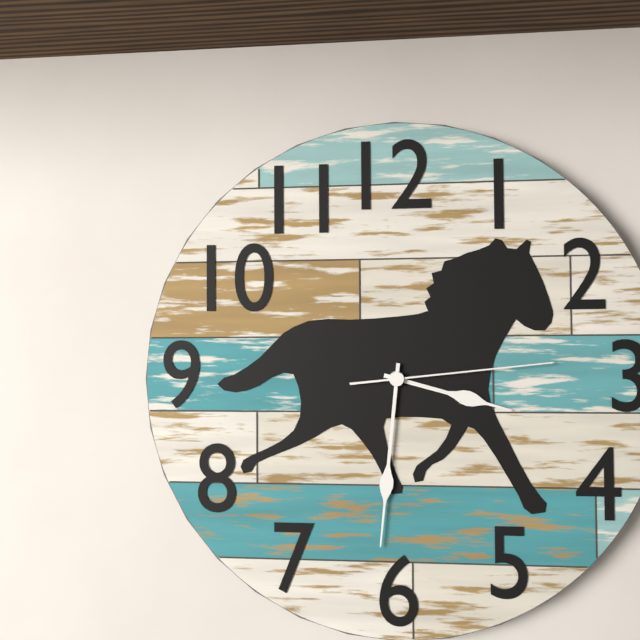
3:31:14
